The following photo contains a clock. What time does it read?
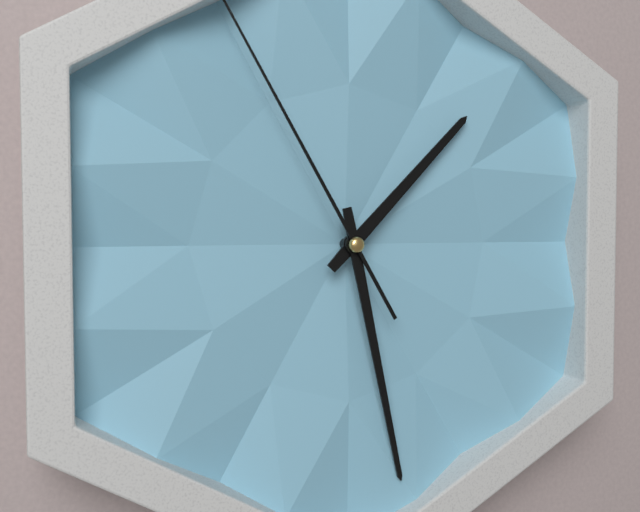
1:28
